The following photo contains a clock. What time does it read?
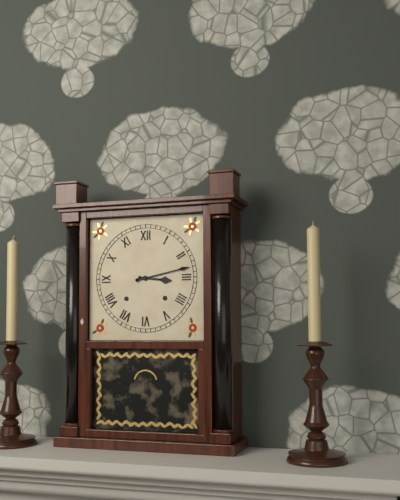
3:13
